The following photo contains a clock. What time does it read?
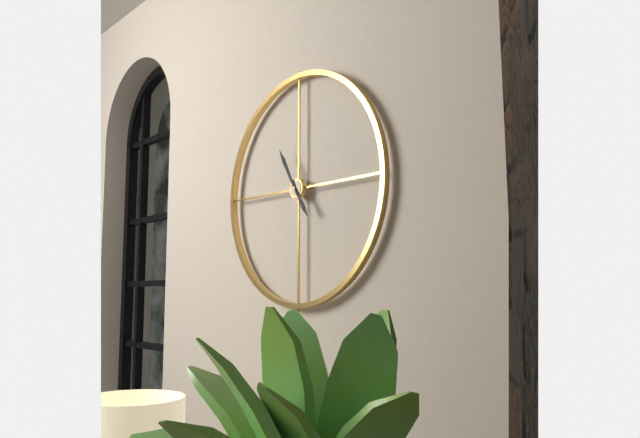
4:55
